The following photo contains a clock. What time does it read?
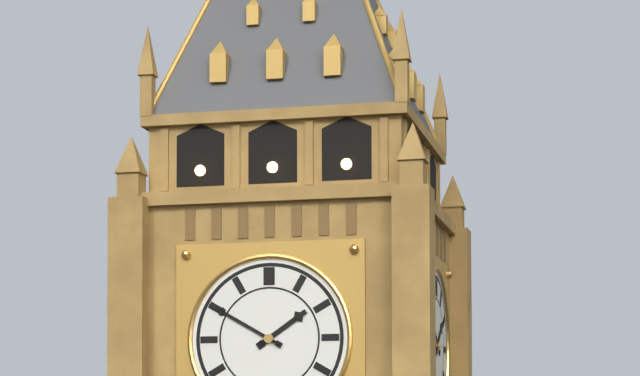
1:50
